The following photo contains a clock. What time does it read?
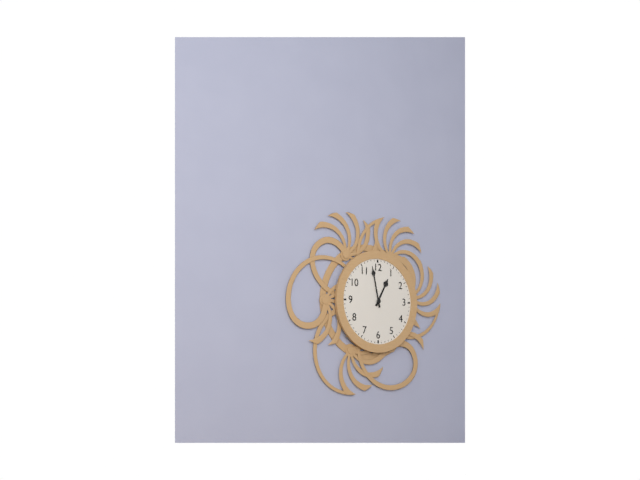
12:58
